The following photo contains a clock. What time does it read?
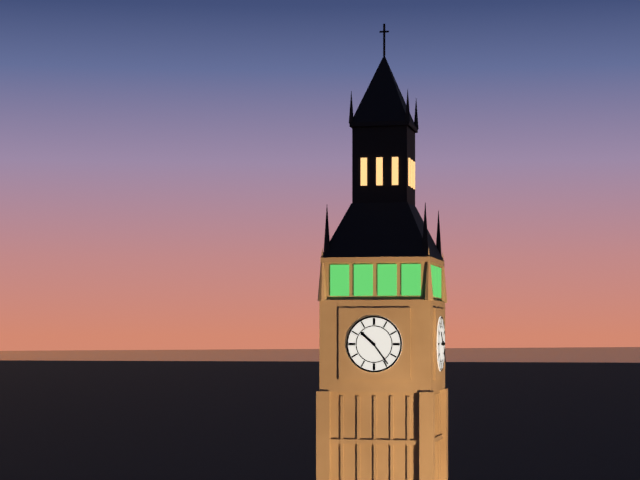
10:24
